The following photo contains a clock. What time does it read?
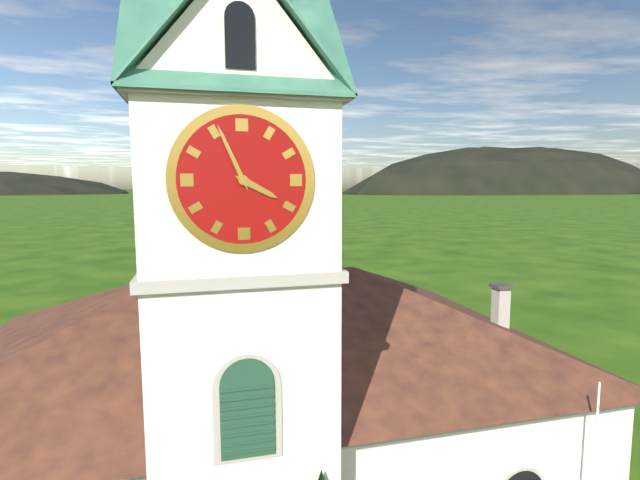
3:56
